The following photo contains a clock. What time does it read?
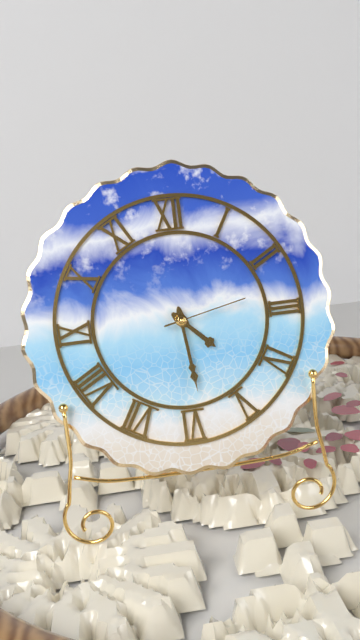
4:29:13
